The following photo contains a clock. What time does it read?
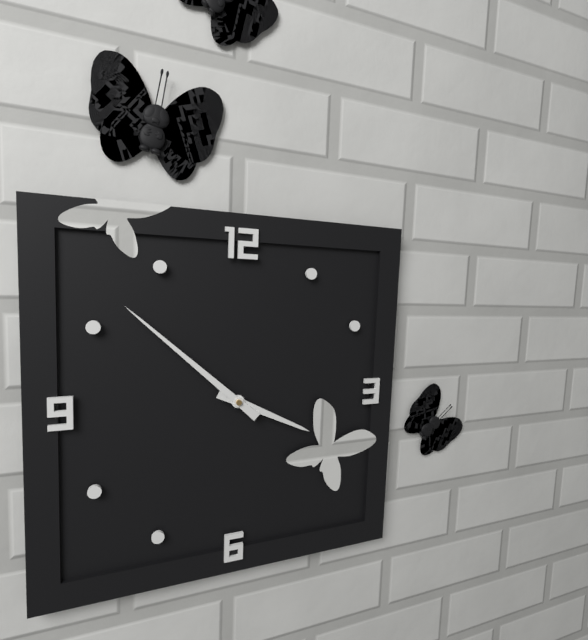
3:52
